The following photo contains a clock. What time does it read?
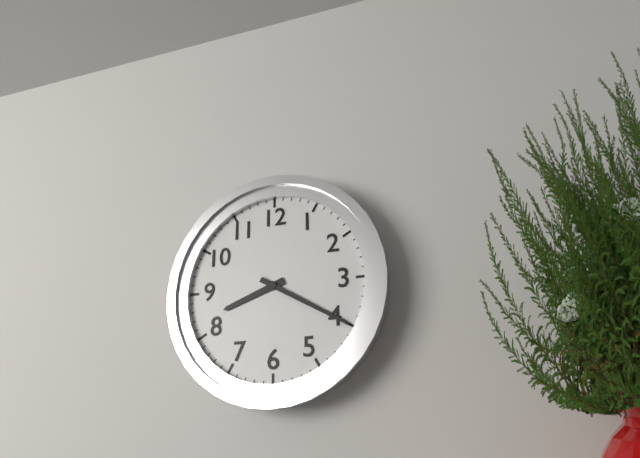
8:20
